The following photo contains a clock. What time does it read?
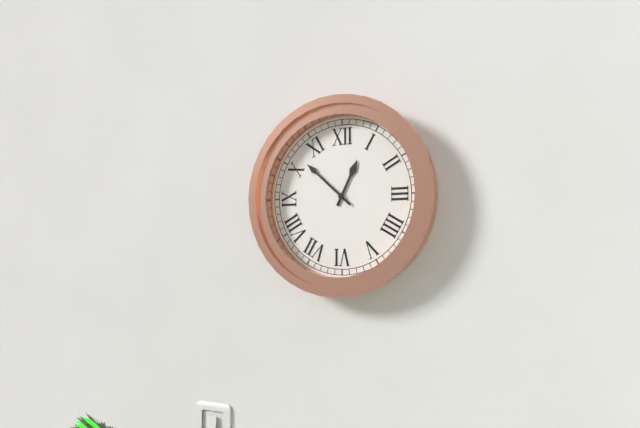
12:52
